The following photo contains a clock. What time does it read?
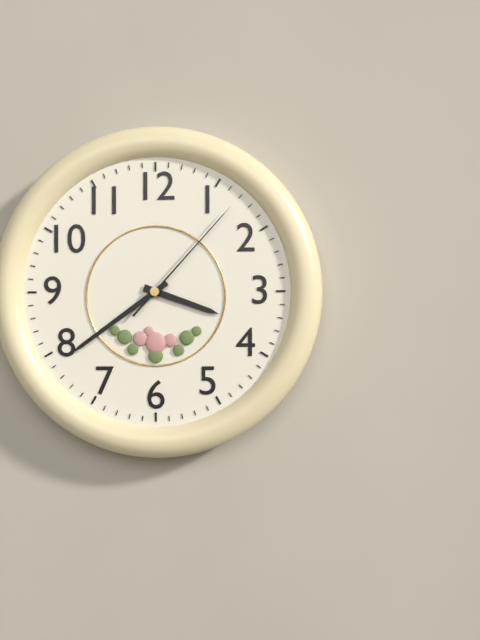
3:39:07
